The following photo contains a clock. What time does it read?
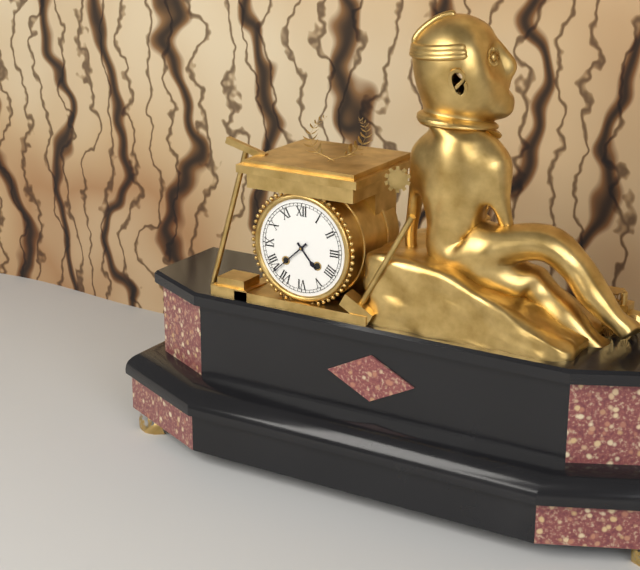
4:38
